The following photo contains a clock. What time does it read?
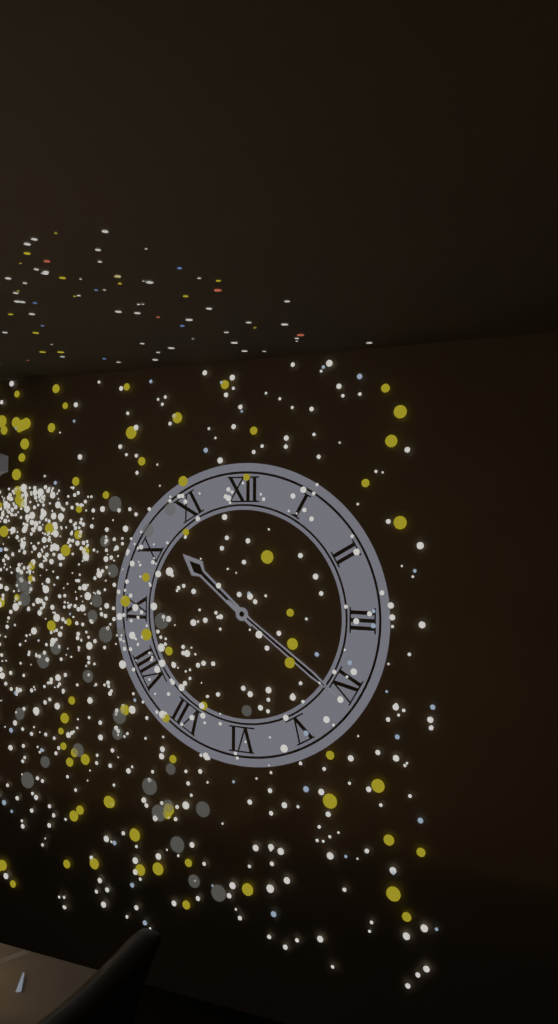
10:21
